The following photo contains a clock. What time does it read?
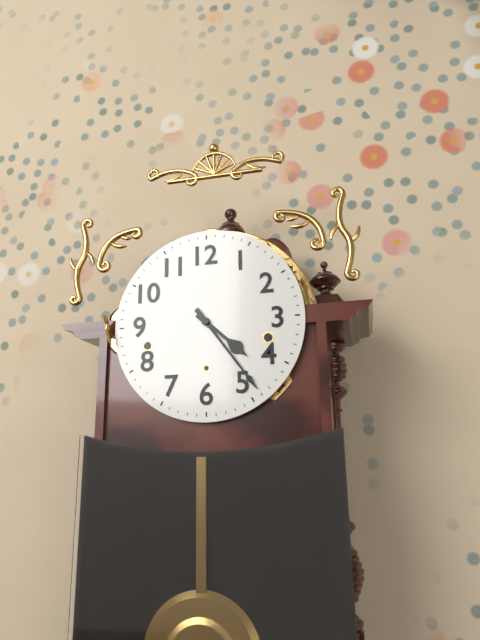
4:24
